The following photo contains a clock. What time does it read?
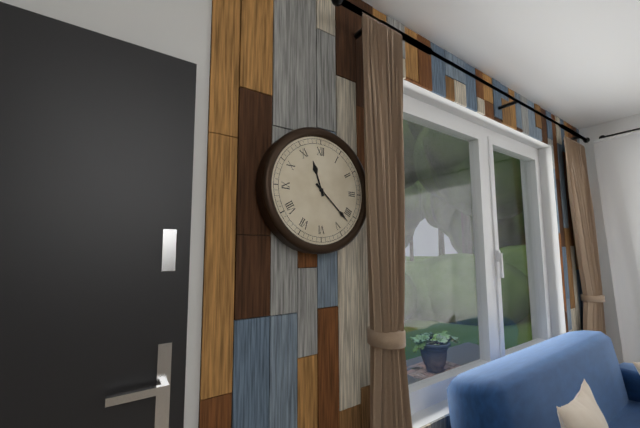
11:22
